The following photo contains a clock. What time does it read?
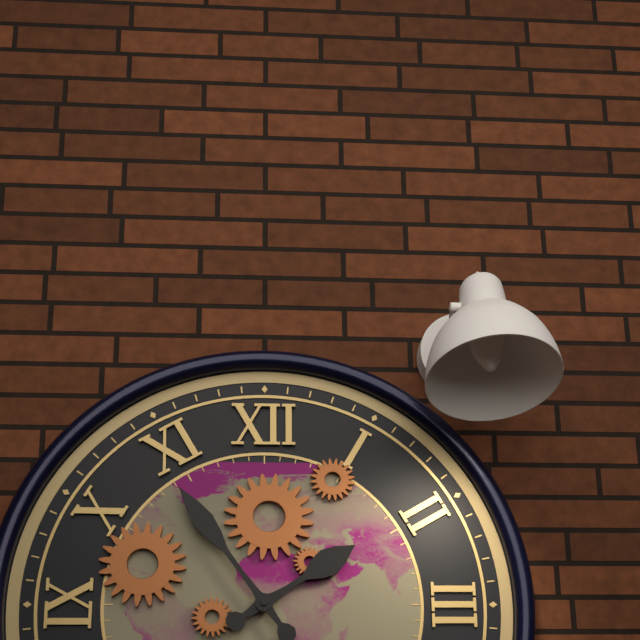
1:54
